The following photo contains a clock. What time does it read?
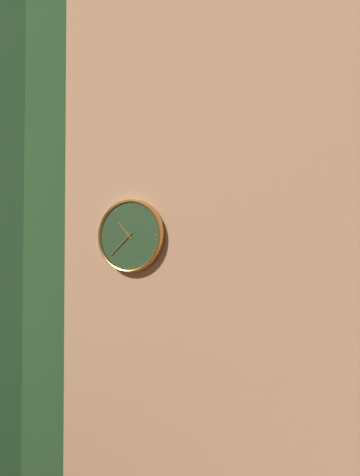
10:38
